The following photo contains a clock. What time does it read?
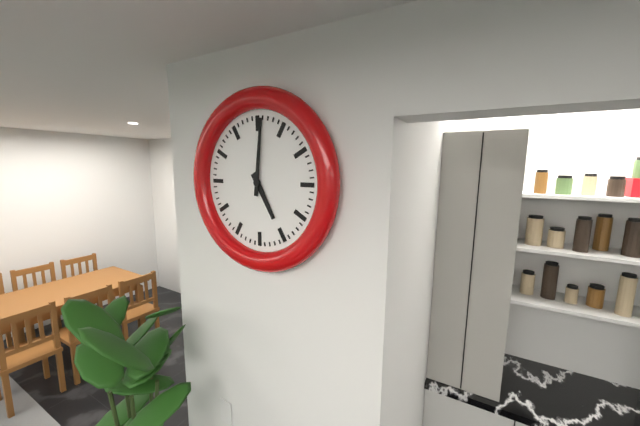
5:01
